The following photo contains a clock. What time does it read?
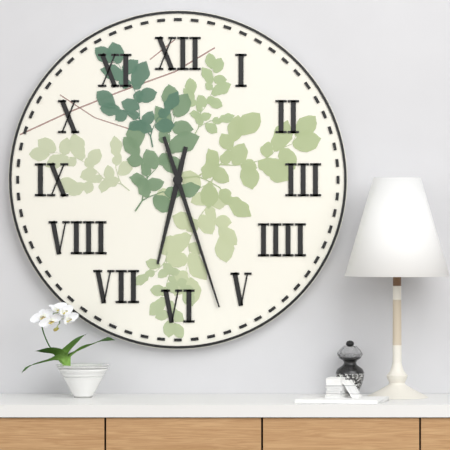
6:27
